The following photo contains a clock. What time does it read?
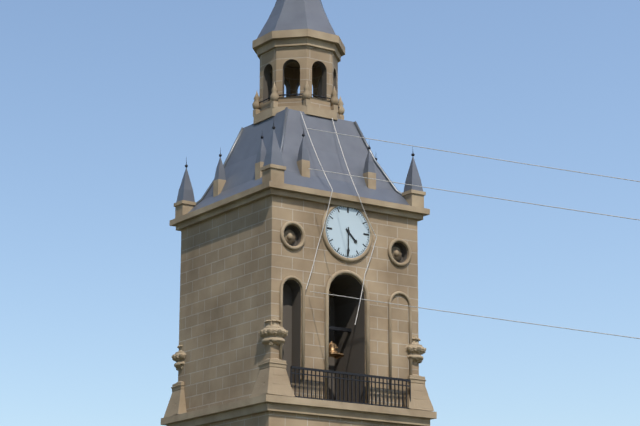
4:30
